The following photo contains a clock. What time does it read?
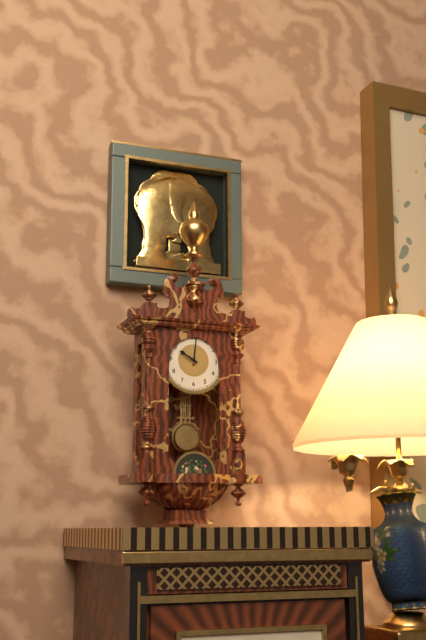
10:01
